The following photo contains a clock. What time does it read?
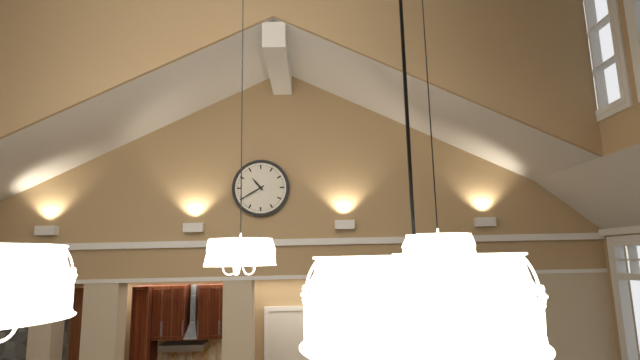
10:40
